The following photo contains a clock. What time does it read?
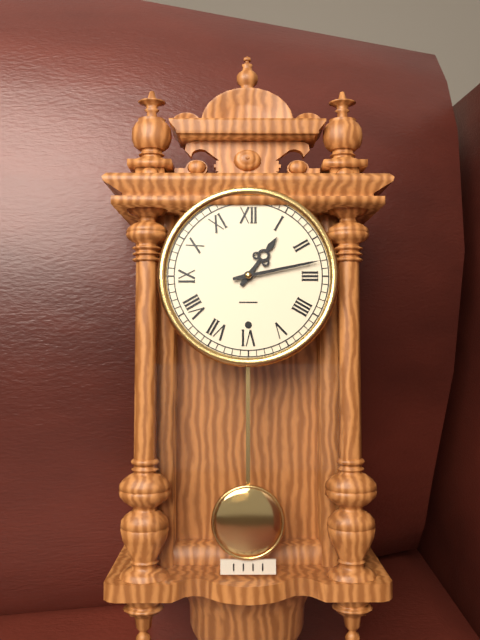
1:13
